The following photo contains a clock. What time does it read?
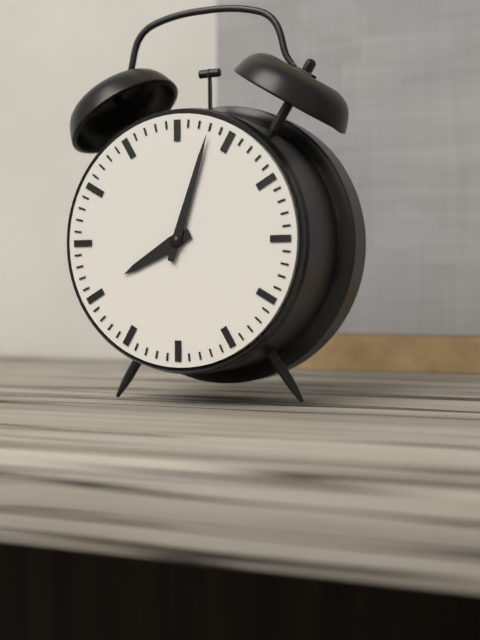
8:03
